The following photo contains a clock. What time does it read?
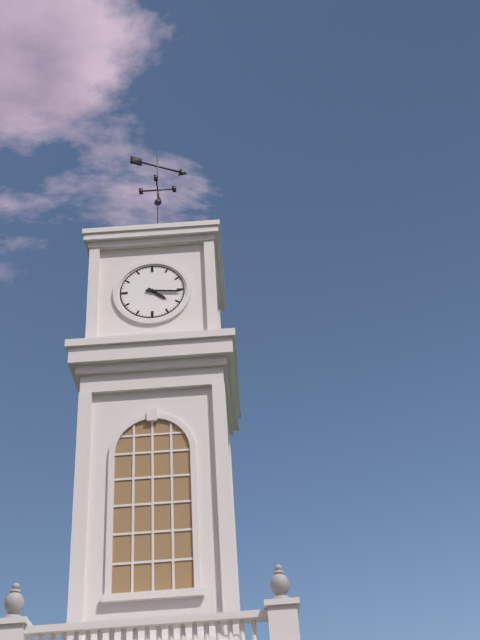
4:16
